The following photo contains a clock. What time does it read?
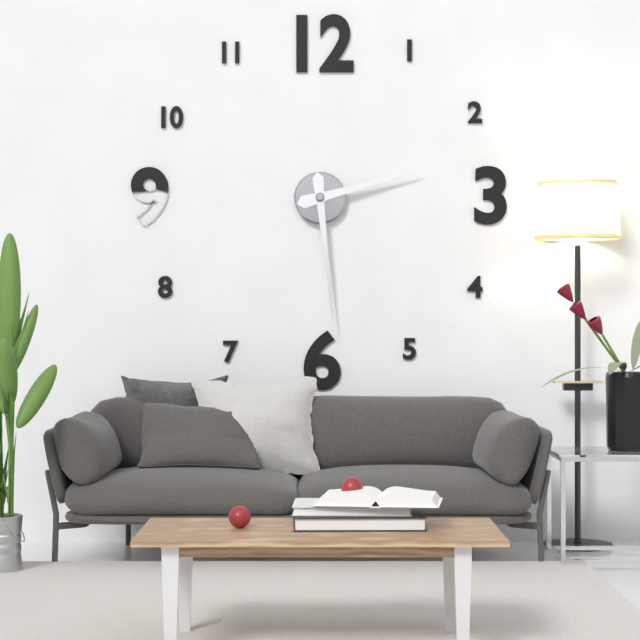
2:29
